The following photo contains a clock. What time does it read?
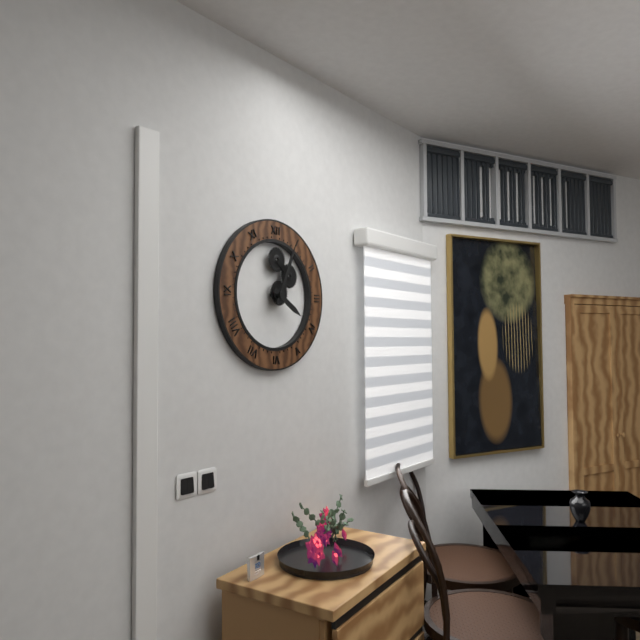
4:04
